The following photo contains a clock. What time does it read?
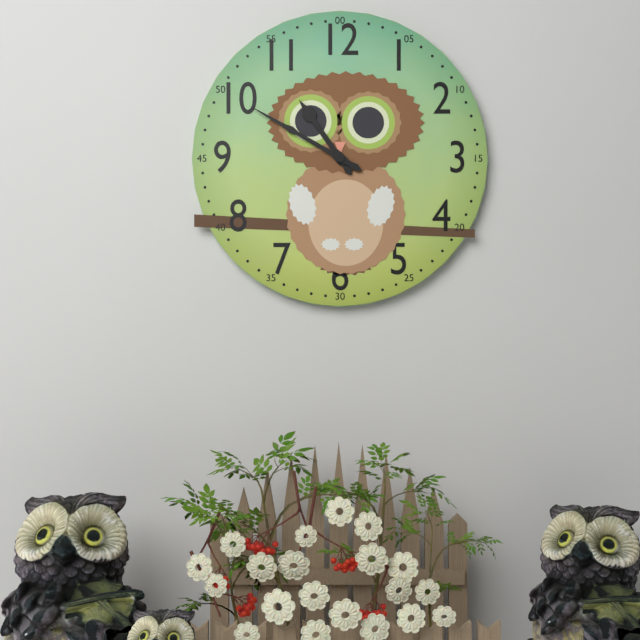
10:50
